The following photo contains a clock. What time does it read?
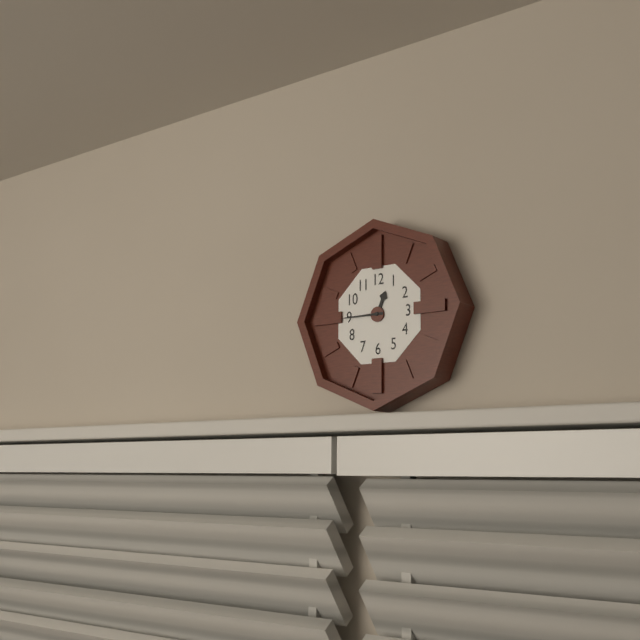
12:45
